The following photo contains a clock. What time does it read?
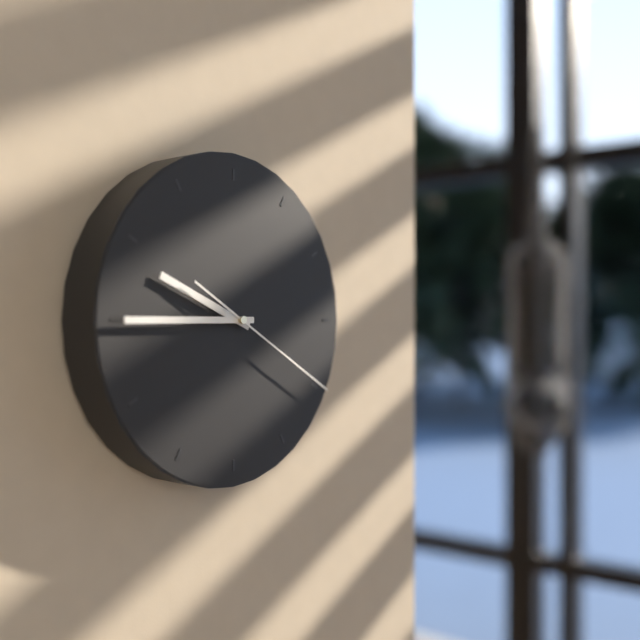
9:45:20
